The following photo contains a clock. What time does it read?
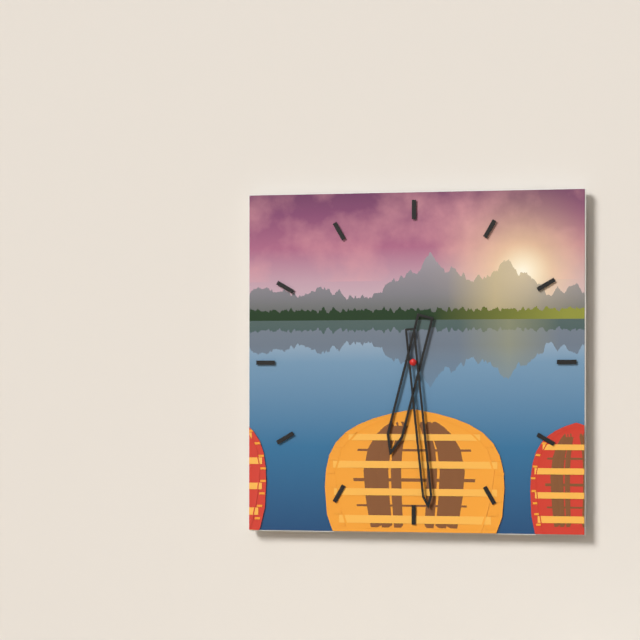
6:29
